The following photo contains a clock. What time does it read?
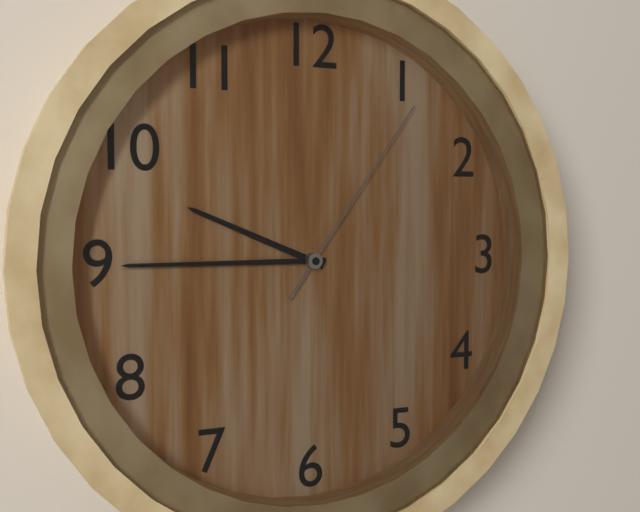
9:45:06
